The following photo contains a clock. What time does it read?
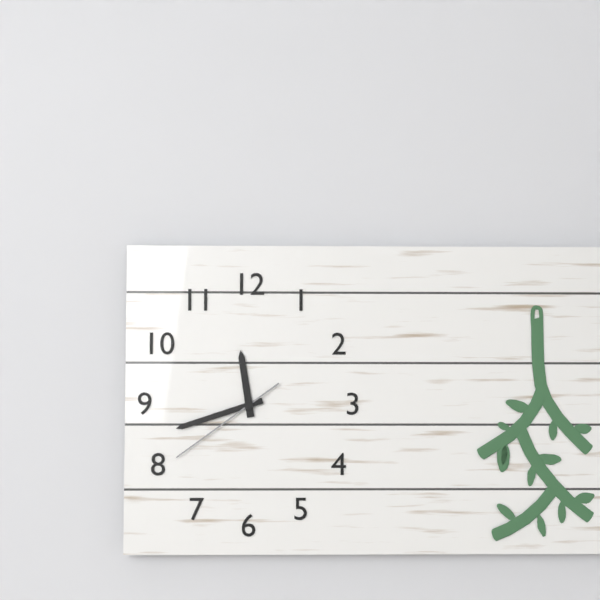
11:42:39
